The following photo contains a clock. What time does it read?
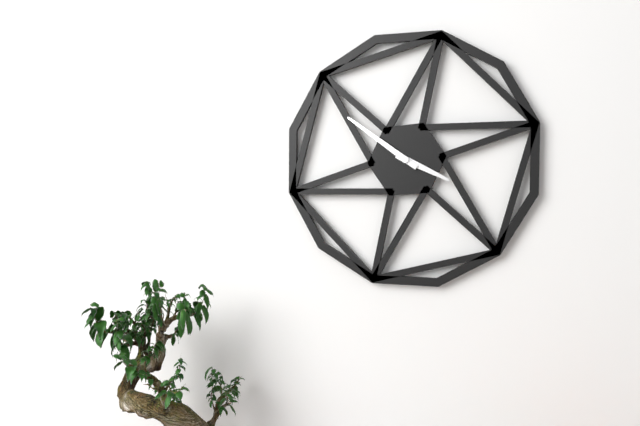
3:51
